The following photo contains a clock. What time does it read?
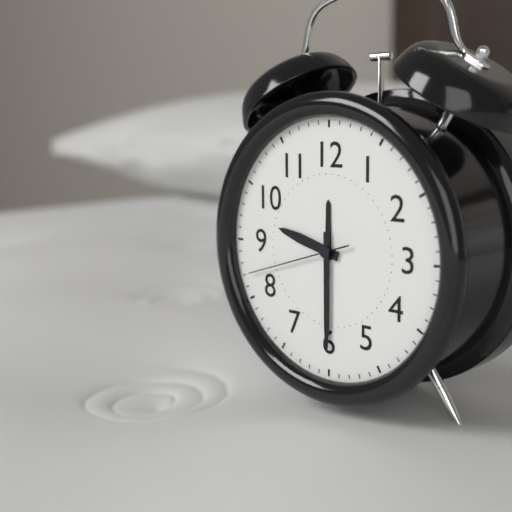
9:30:42
